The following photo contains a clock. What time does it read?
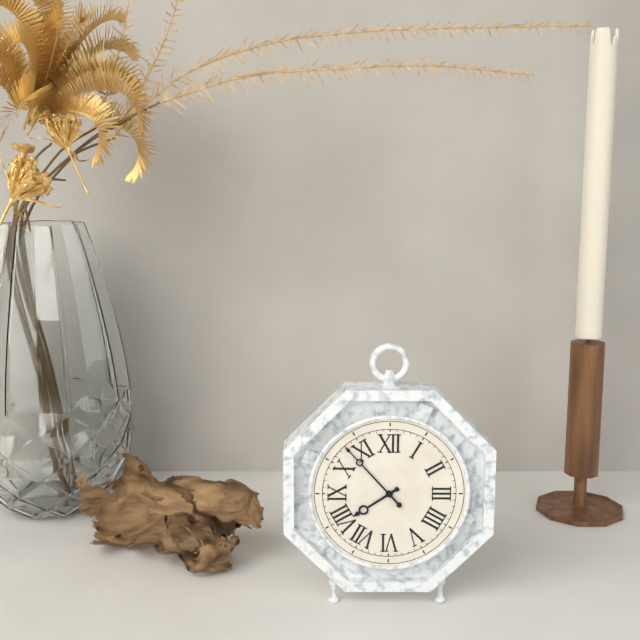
7:53
